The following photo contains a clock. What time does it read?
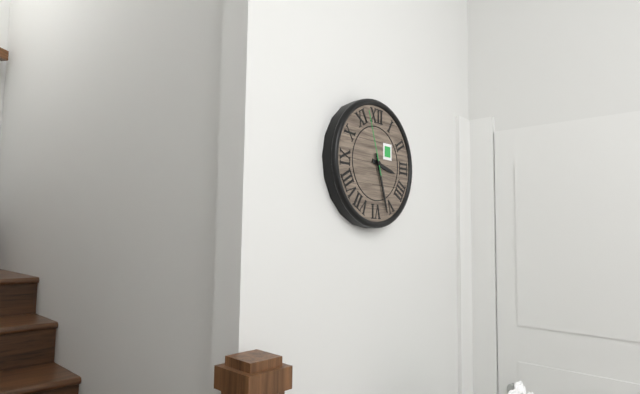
3:27:57
